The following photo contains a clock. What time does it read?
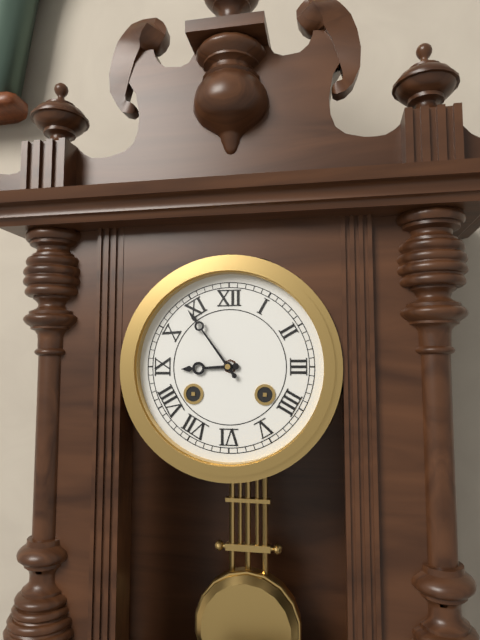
8:54
